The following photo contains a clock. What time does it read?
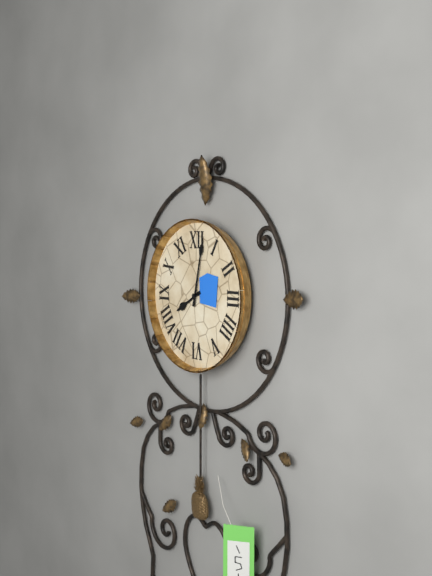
8:02
